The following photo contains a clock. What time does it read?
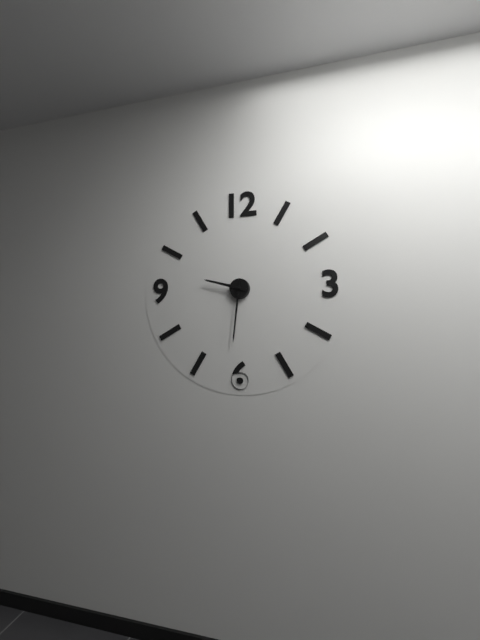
9:31
